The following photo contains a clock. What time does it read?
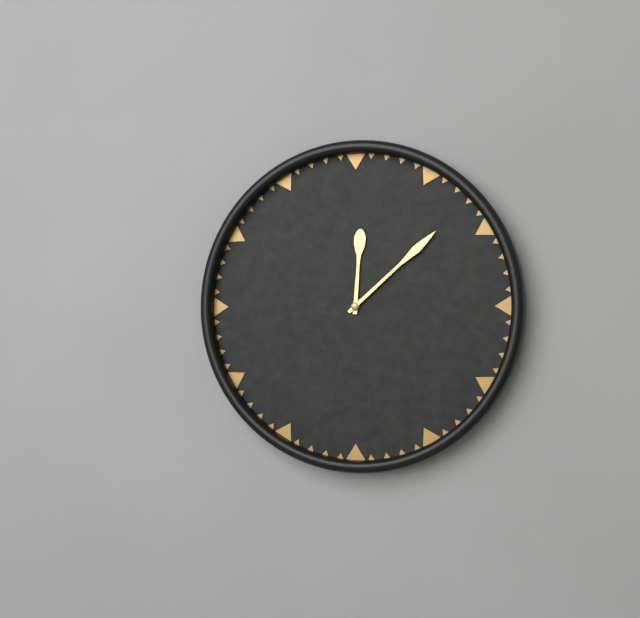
12:08
